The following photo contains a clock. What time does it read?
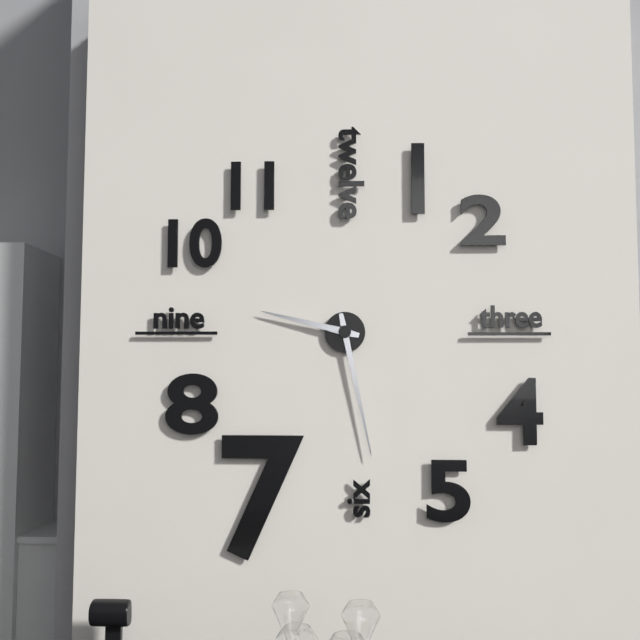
9:28
